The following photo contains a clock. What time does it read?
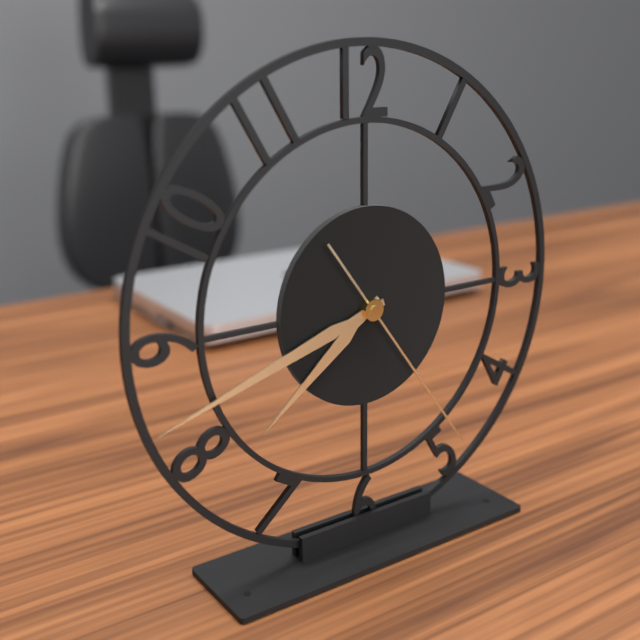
7:42:24
